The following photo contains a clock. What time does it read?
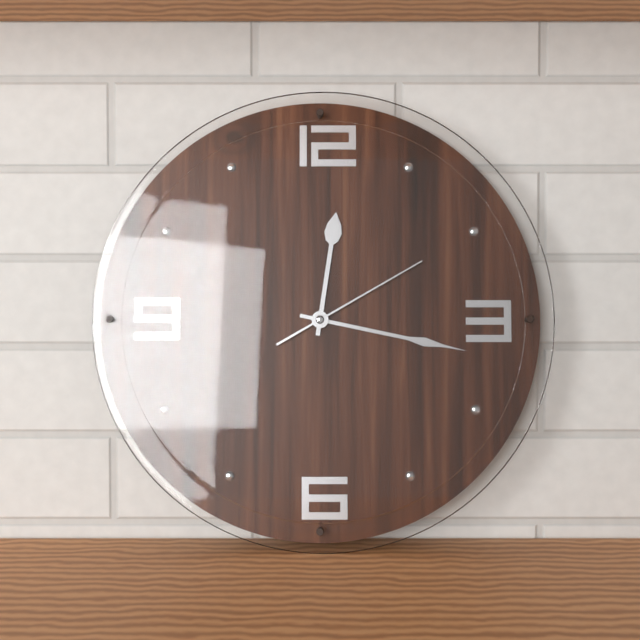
12:17:10
